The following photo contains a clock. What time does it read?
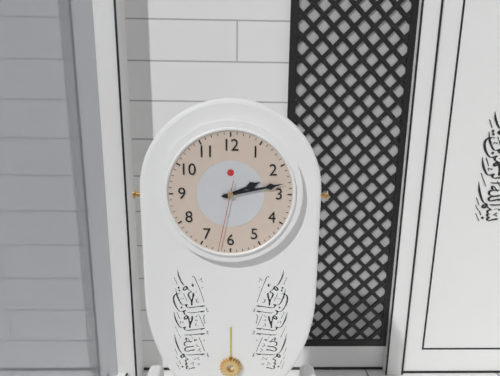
2:13:32
